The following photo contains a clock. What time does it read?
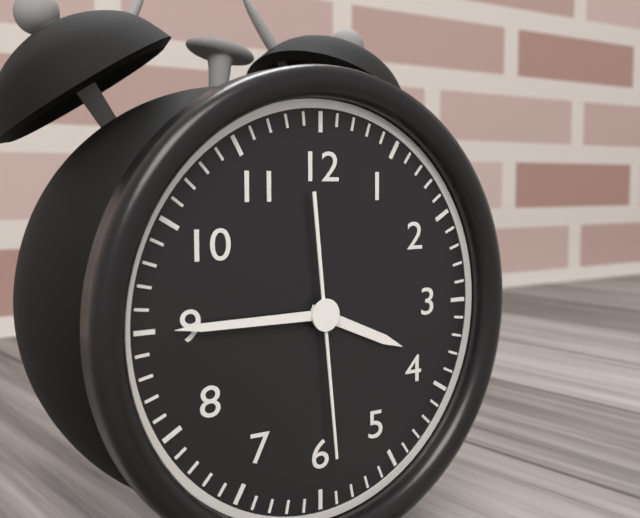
3:45:29
